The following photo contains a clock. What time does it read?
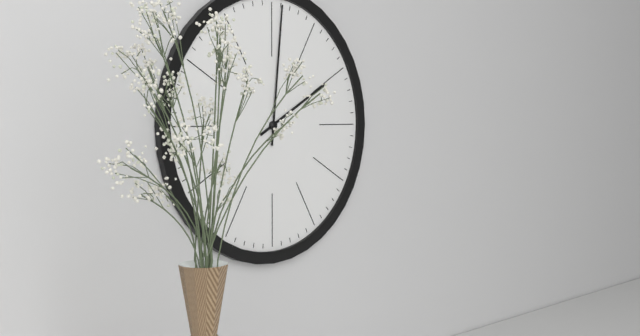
2:01
